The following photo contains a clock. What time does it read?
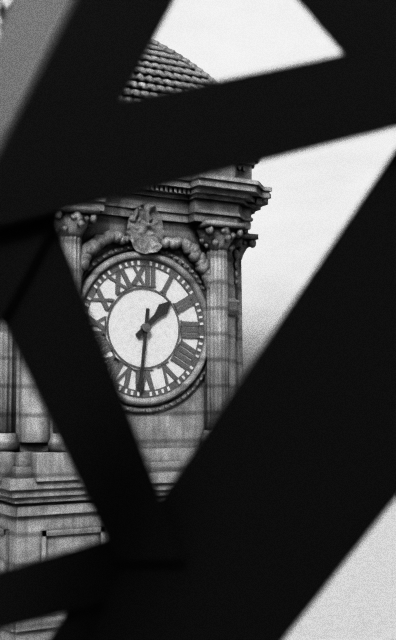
1:31
